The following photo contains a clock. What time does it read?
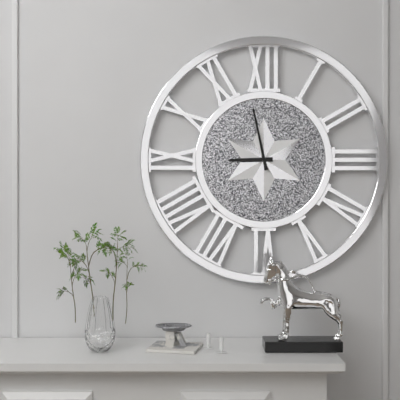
8:58
